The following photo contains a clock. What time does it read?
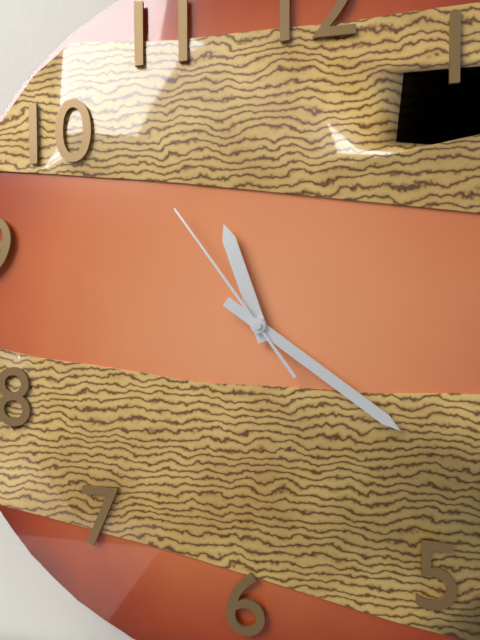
11:21:54
